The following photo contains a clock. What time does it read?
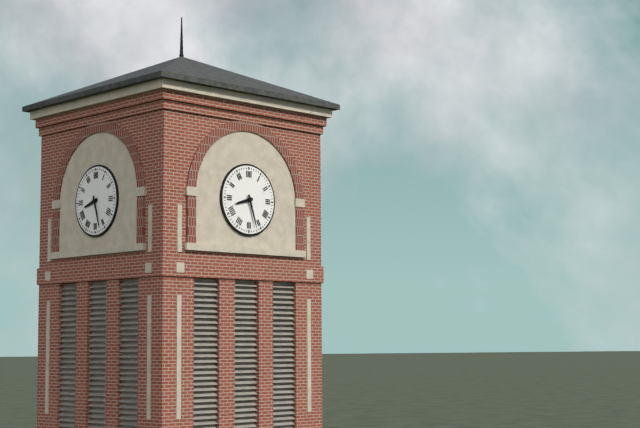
8:27
